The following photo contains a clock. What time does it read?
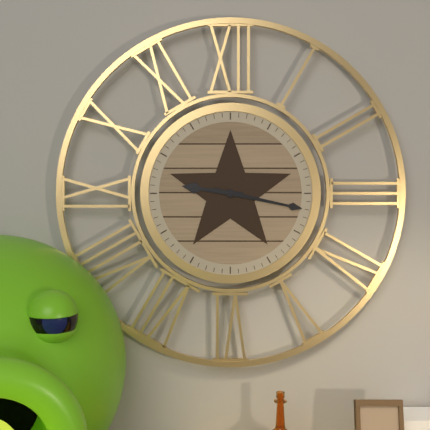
9:17
